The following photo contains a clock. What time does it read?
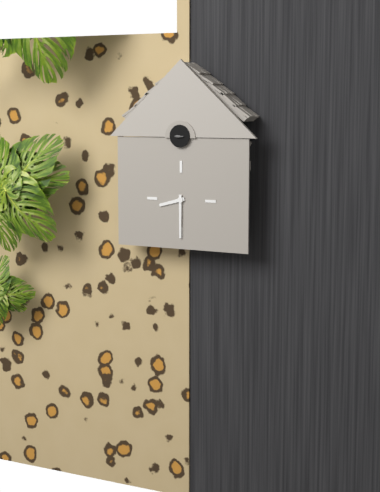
8:30
